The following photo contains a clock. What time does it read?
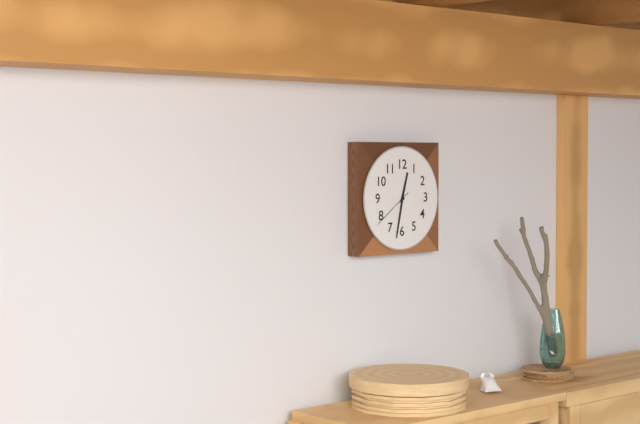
12:32
